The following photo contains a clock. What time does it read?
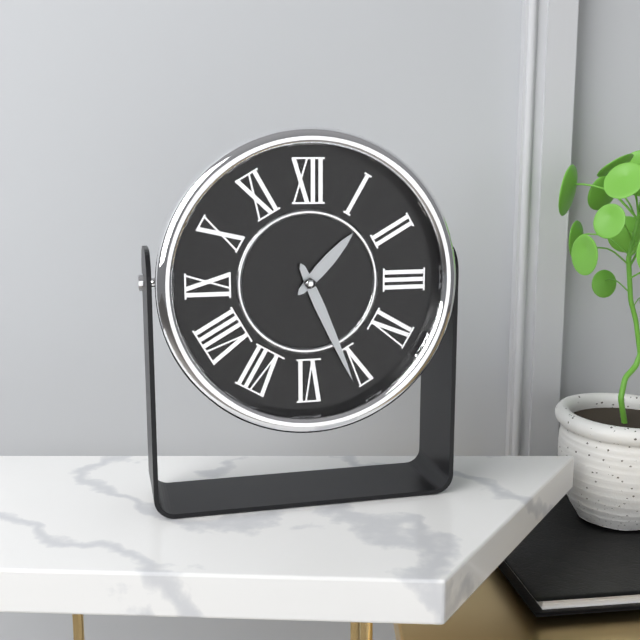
1:26
